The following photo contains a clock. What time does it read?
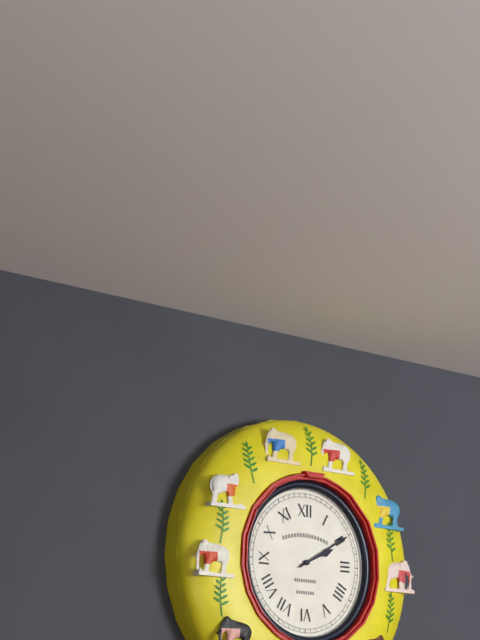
2:10
